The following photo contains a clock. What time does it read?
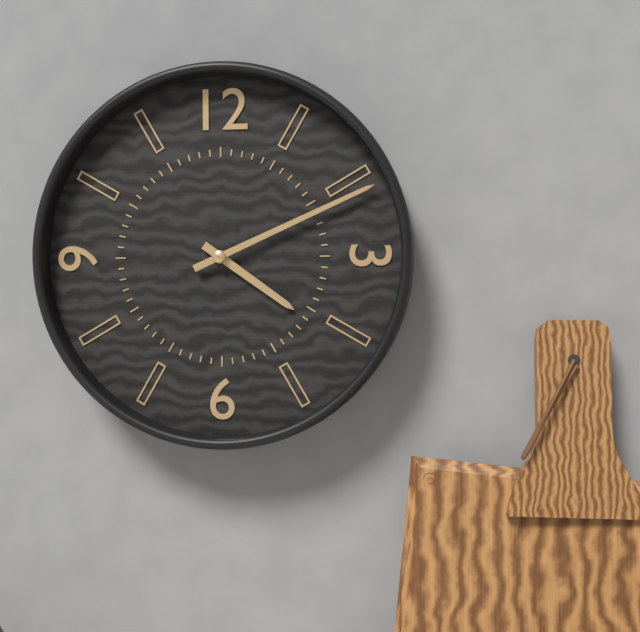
4:11
